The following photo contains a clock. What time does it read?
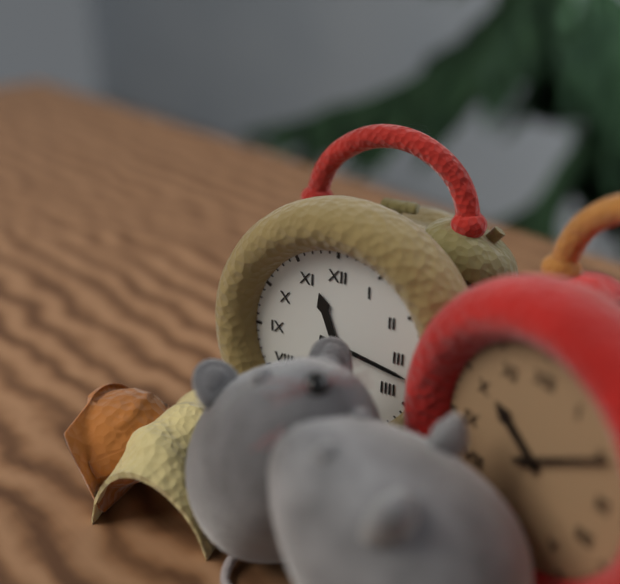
11:17
